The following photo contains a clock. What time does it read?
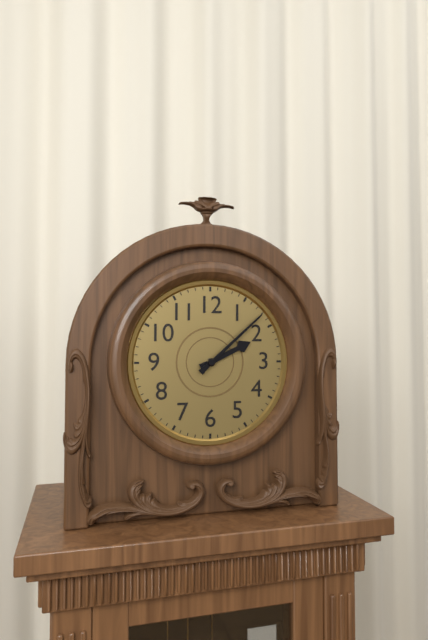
2:08
